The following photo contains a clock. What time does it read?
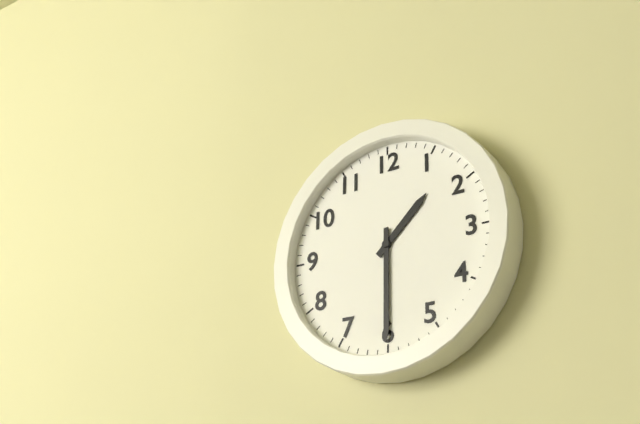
1:30
